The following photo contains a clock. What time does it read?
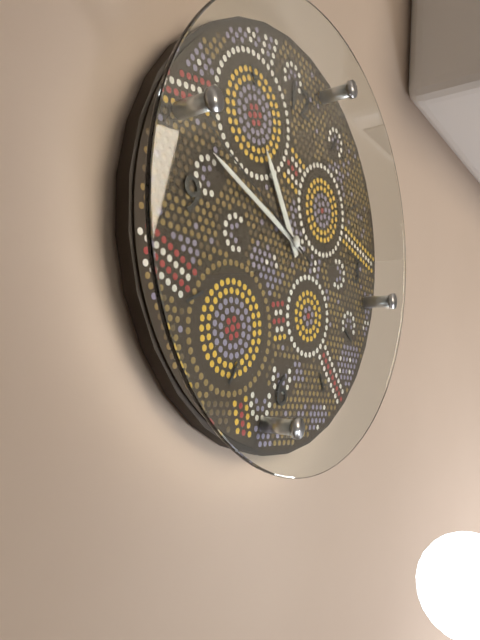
10:48:49
